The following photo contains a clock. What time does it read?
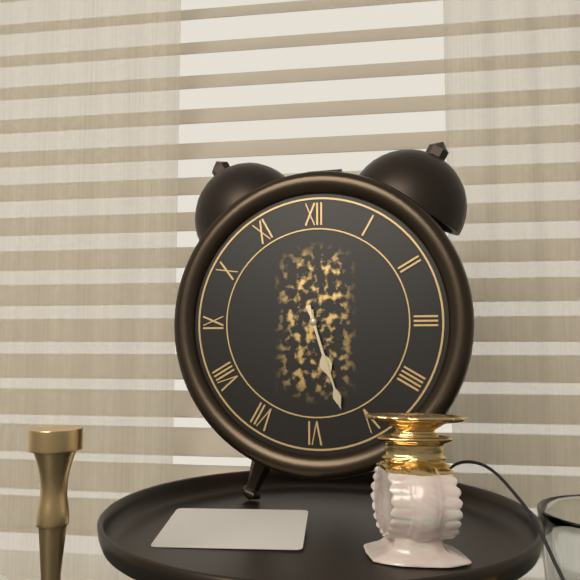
5:27
